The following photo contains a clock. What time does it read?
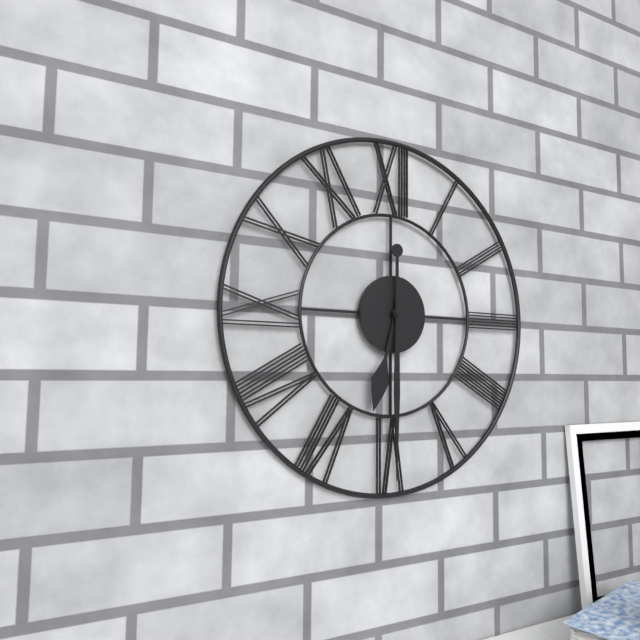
6:30
